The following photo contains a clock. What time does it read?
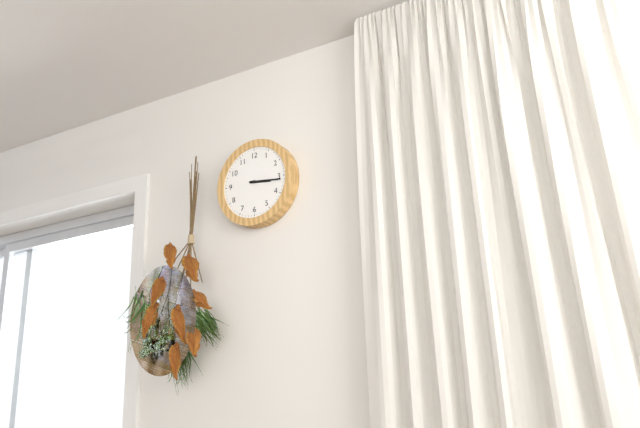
3:16
